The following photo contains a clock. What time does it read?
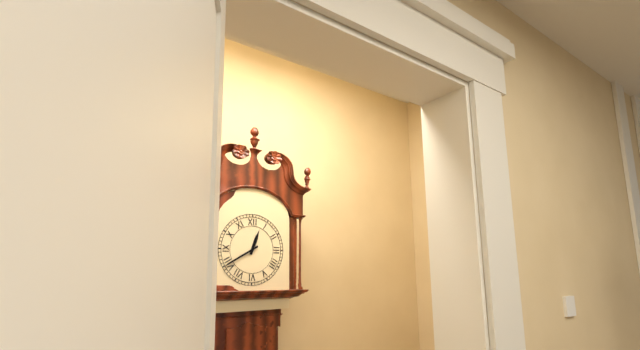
12:40
